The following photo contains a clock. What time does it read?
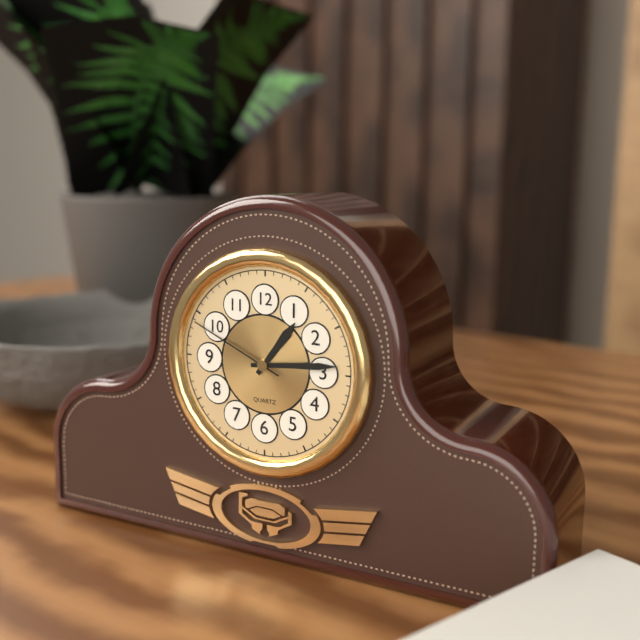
1:14:49
